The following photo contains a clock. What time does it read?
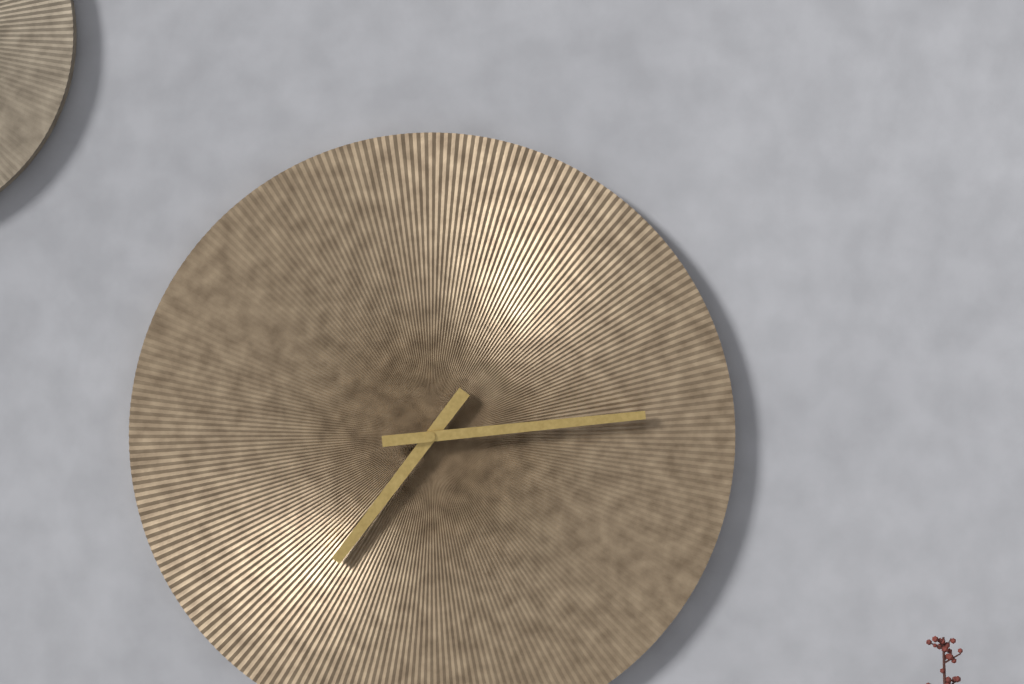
7:14
